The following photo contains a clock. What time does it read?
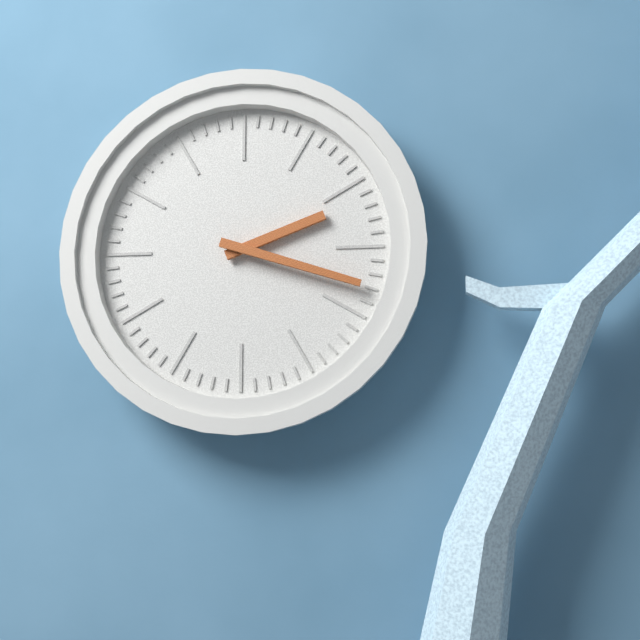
2:18
